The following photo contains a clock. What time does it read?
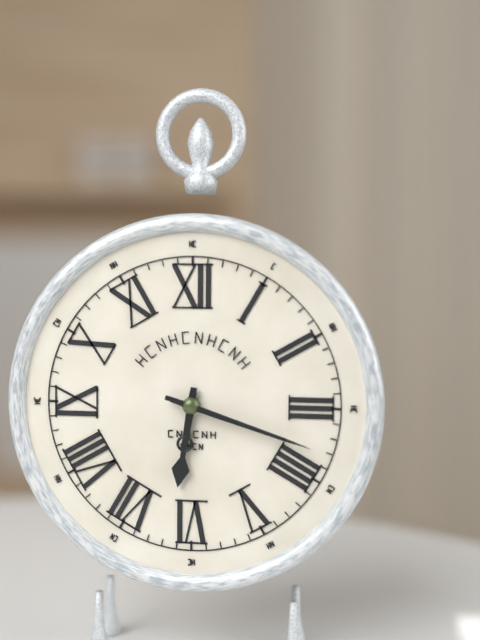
6:18
